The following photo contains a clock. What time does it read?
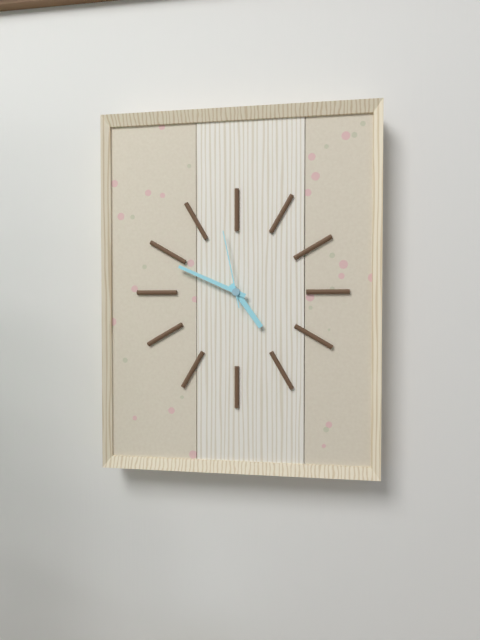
4:49:58
